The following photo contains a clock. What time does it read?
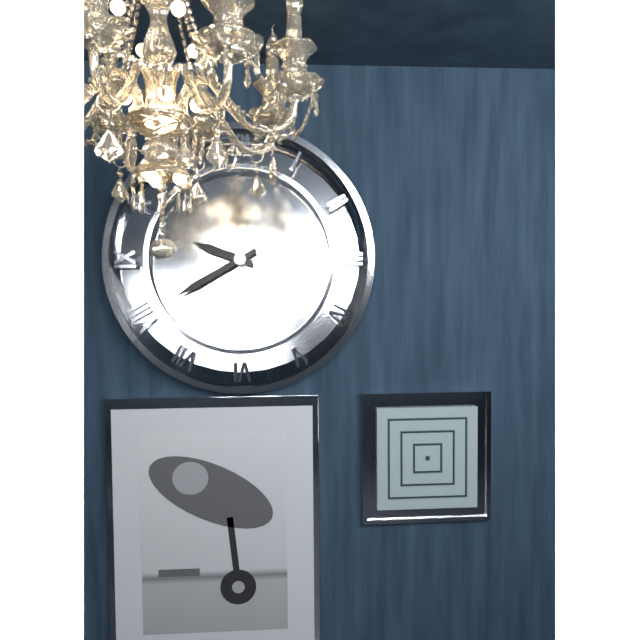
9:40
